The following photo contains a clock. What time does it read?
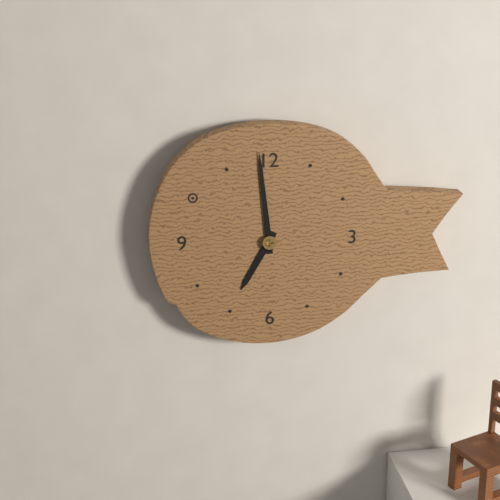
6:59
